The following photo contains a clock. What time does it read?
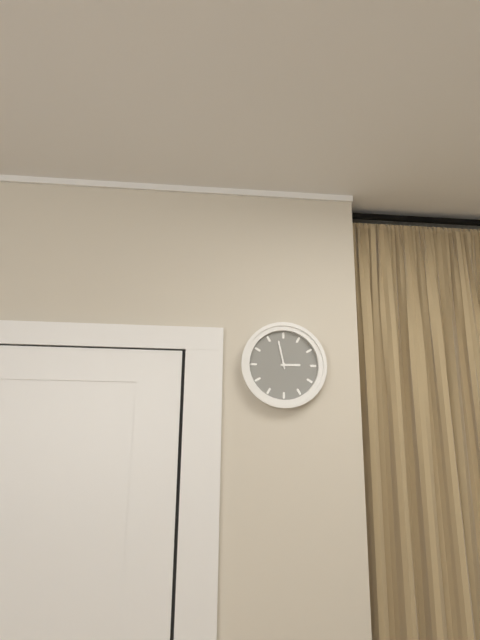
2:58
